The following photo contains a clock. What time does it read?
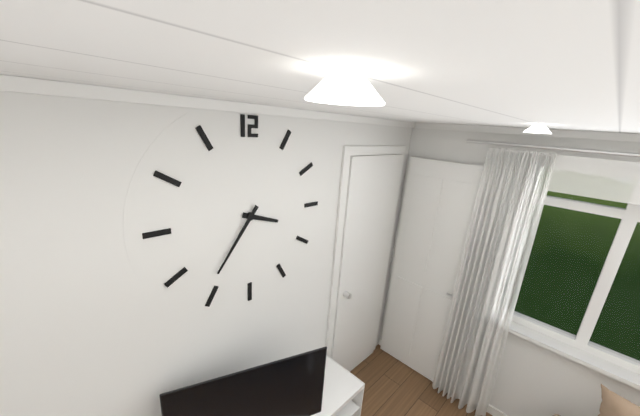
3:36
